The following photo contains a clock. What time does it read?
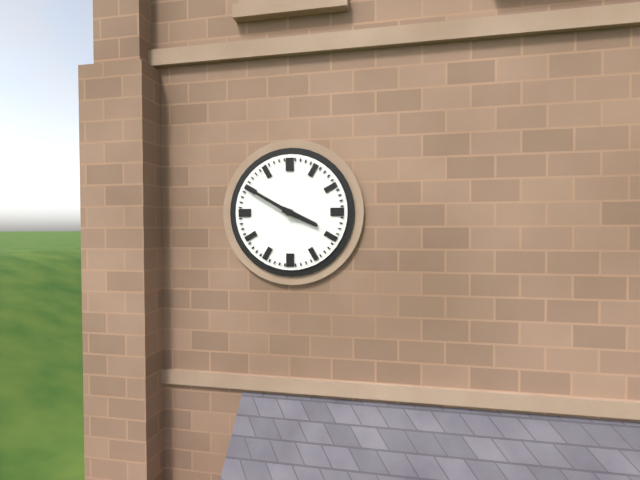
3:50
